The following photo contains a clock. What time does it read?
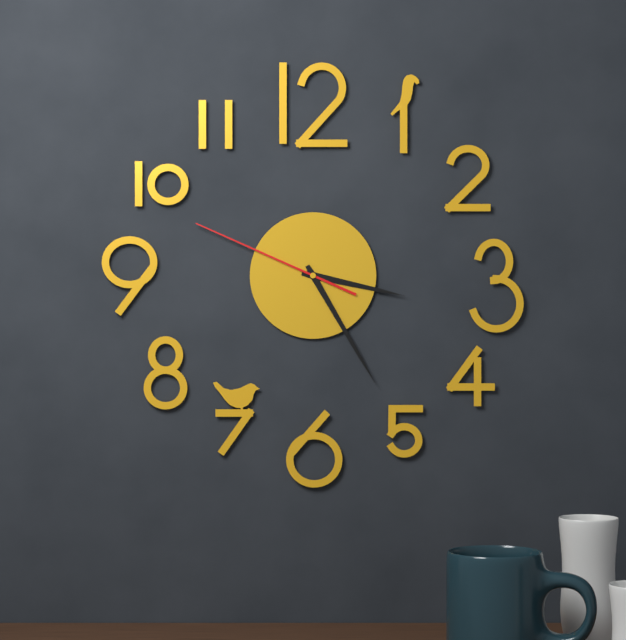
3:25:49
